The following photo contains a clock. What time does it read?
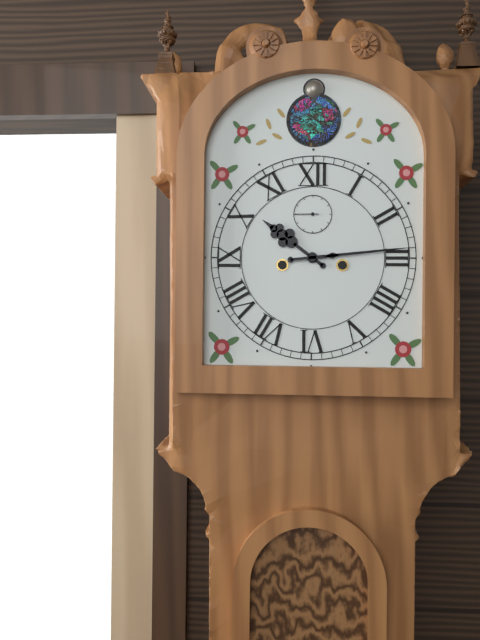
10:14
